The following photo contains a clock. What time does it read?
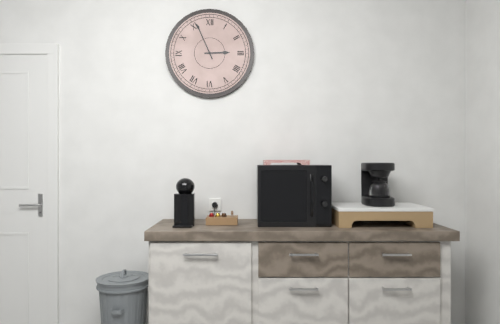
2:56
